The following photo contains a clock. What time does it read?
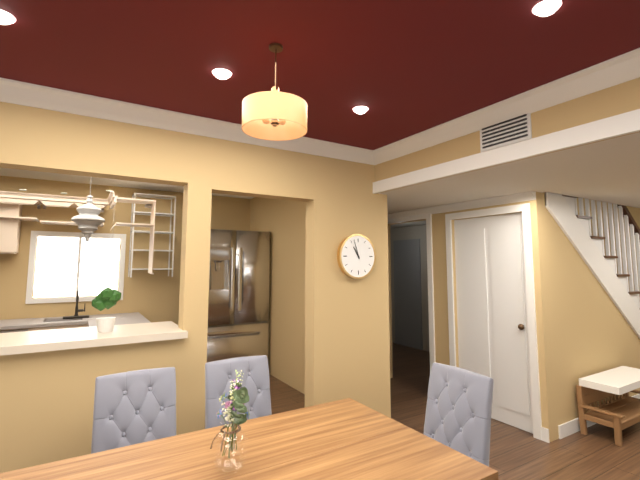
10:57
